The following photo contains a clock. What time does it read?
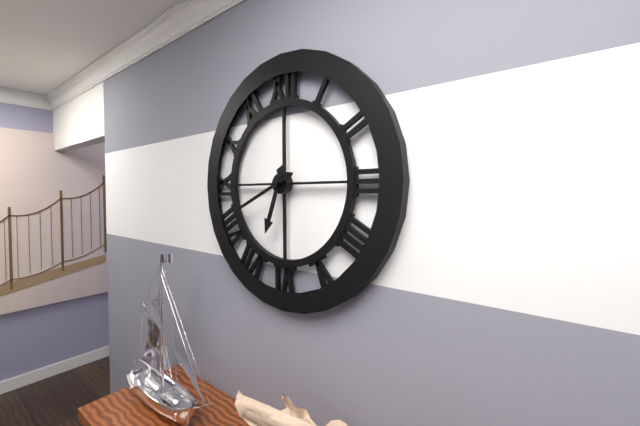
6:41
